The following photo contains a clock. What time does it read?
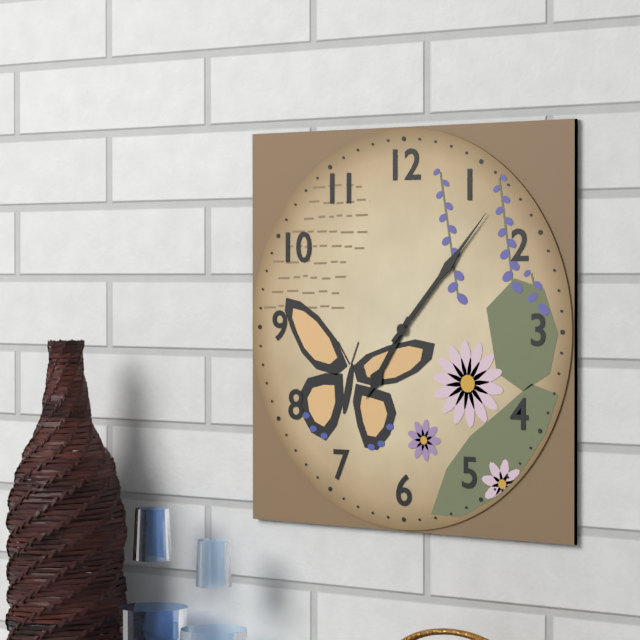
7:07
